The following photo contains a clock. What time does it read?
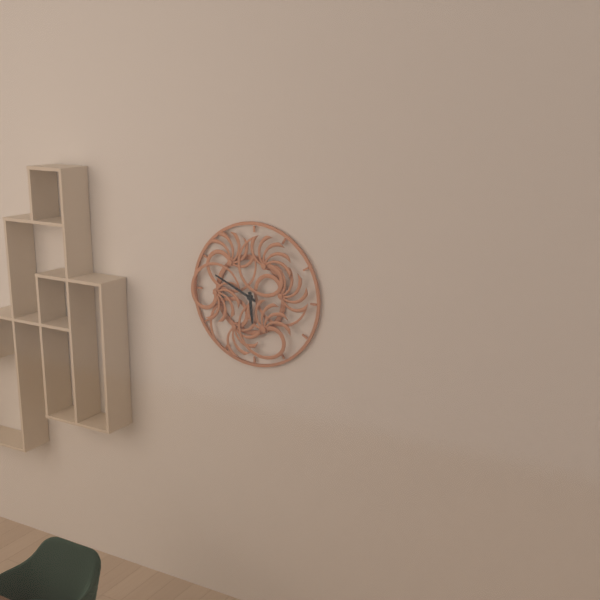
5:49
